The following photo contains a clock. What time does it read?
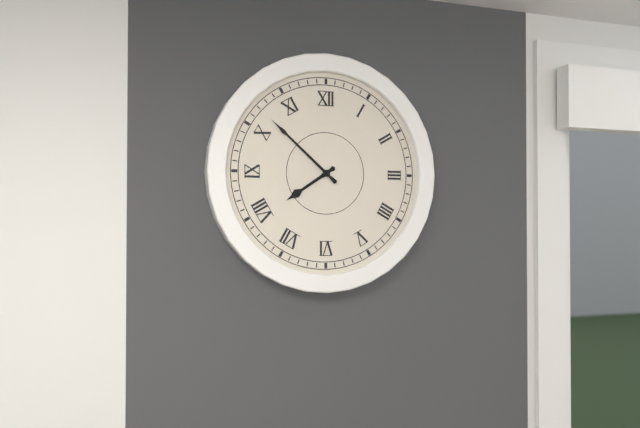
7:52
